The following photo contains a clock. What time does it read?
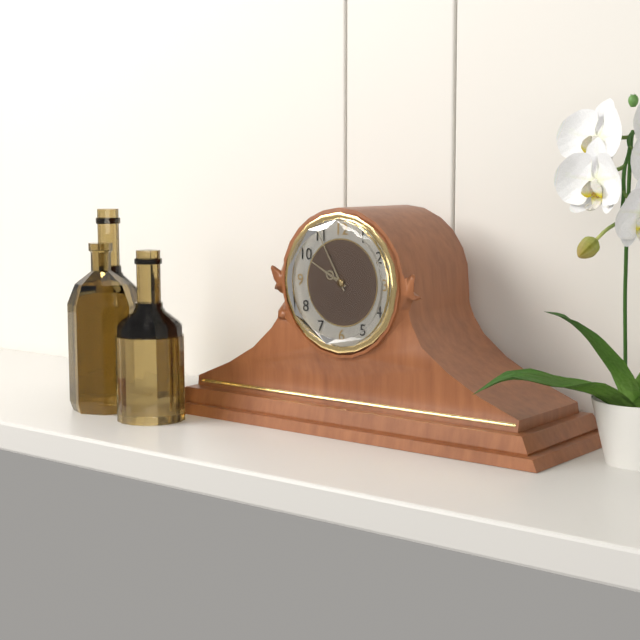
9:55
